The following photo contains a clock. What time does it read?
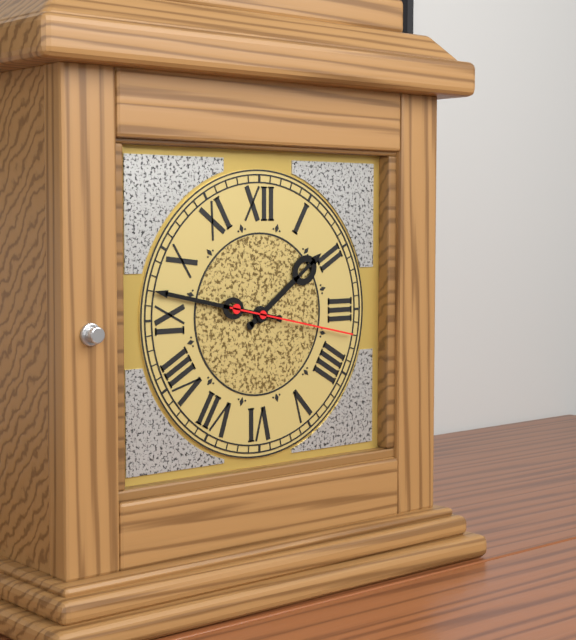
1:47:17
